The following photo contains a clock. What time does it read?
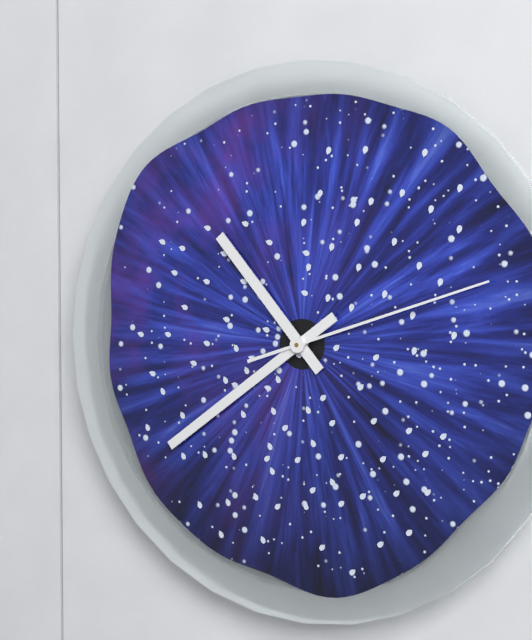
10:39:12
